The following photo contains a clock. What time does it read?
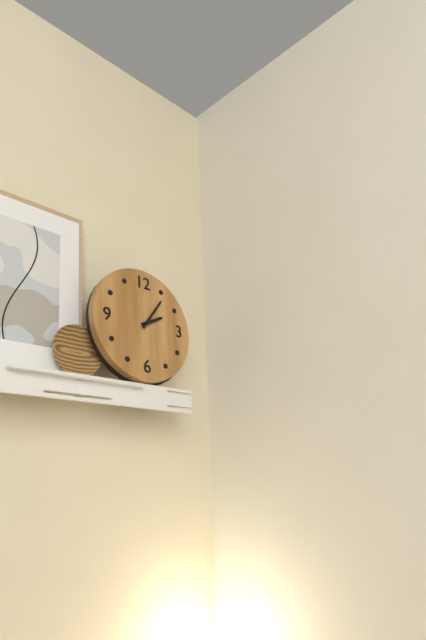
2:06
